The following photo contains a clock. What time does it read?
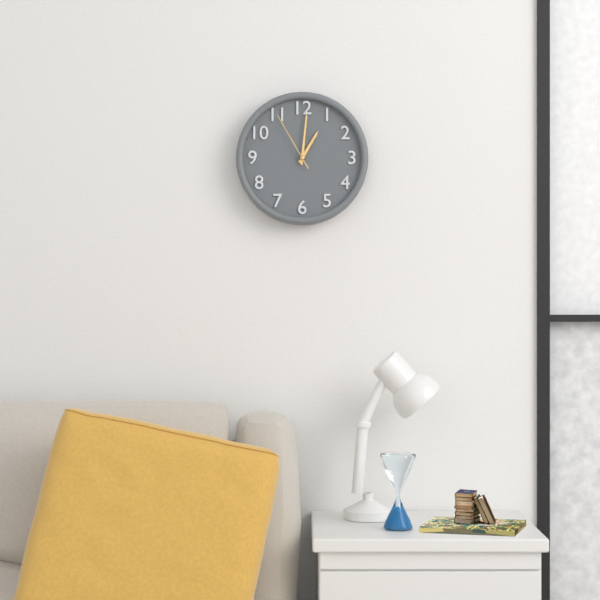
1:01:55
